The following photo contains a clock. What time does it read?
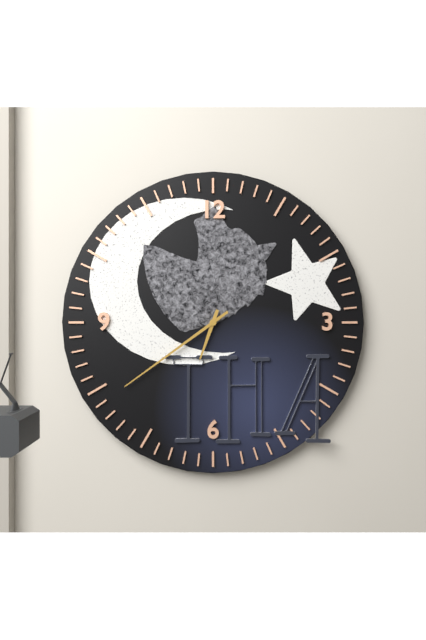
6:39
